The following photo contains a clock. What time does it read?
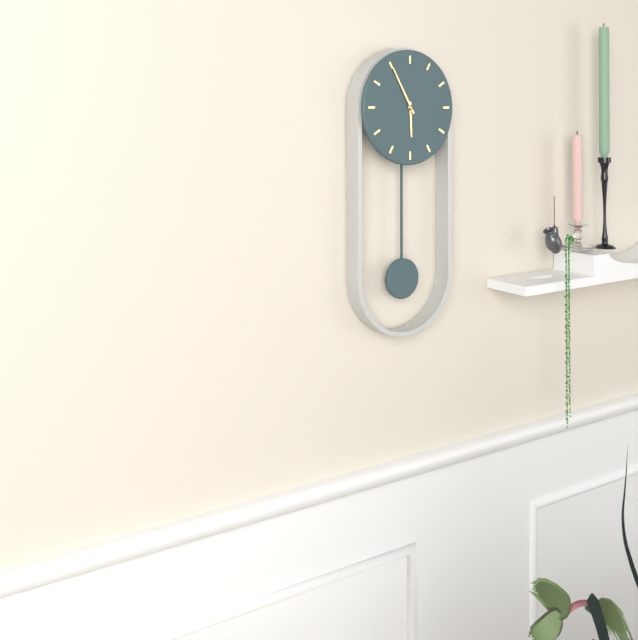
5:55
